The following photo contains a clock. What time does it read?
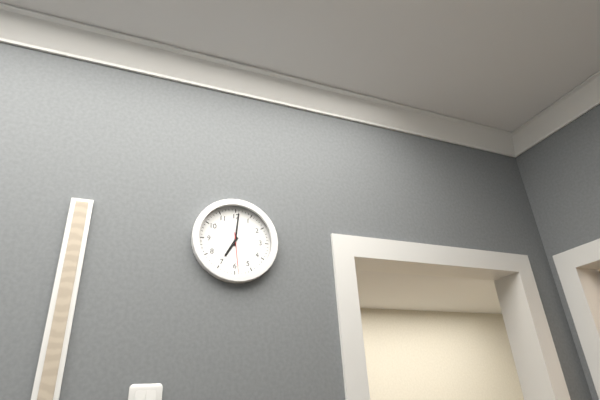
7:01
